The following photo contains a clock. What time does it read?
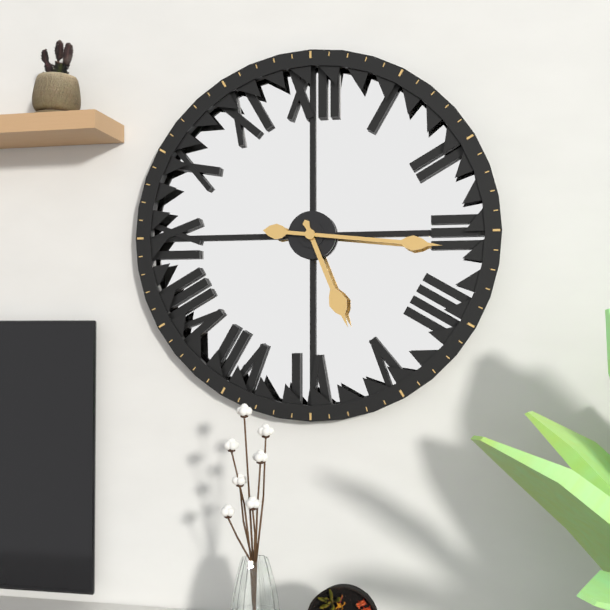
5:16
